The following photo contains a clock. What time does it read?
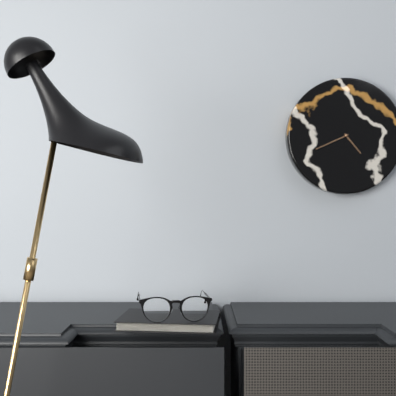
4:41
